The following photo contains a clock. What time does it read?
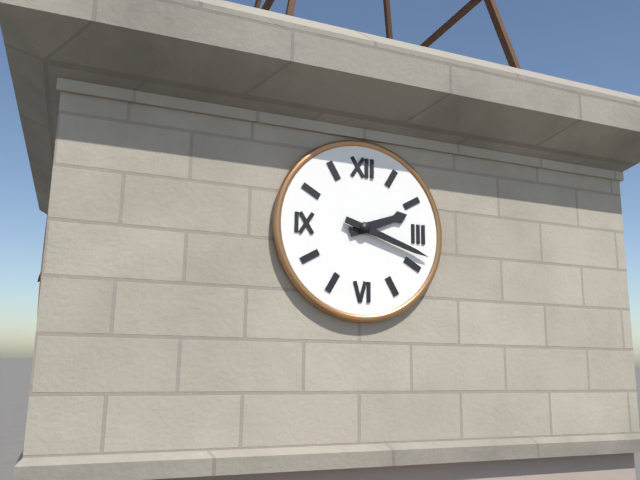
2:18
